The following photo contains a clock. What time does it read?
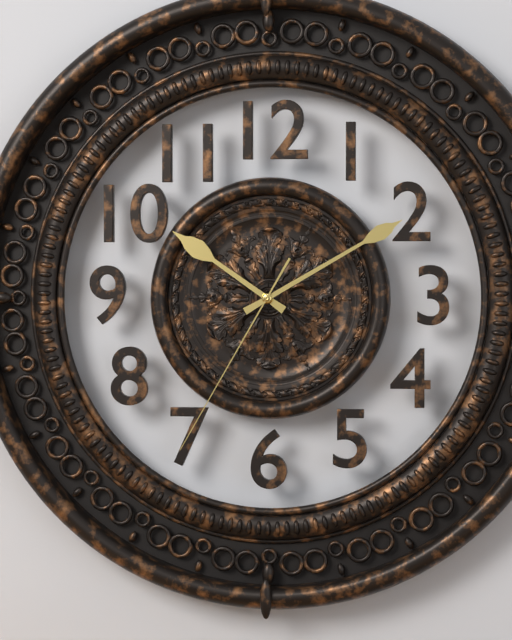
10:10:35
